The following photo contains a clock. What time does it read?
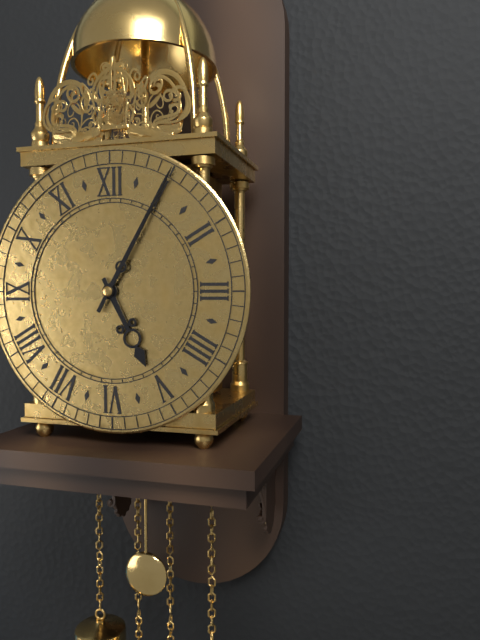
5:05
